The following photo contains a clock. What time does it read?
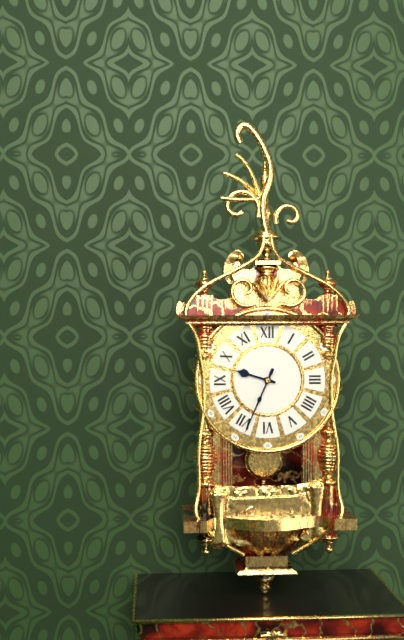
9:34
